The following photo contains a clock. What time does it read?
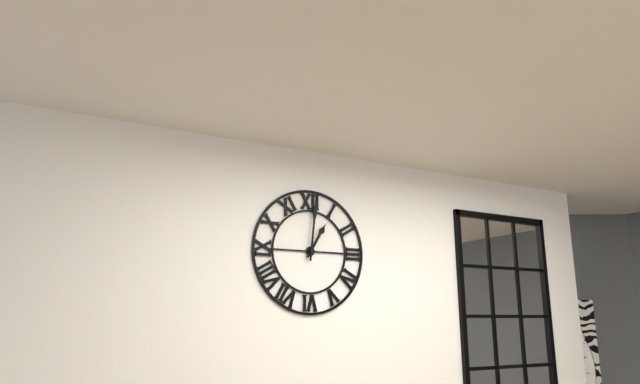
1:01
